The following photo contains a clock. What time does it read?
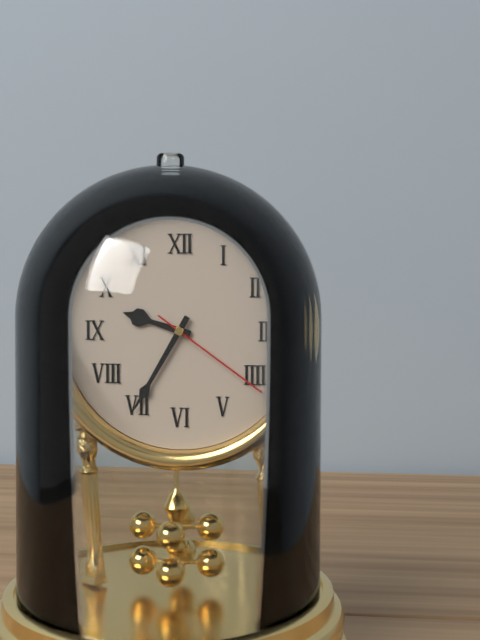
9:35:21
